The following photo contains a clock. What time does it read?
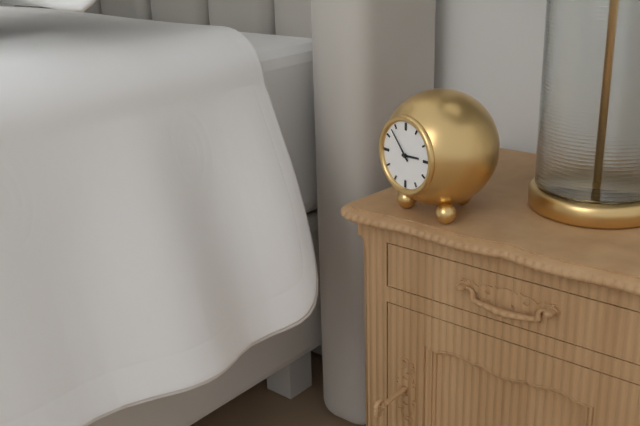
2:53
